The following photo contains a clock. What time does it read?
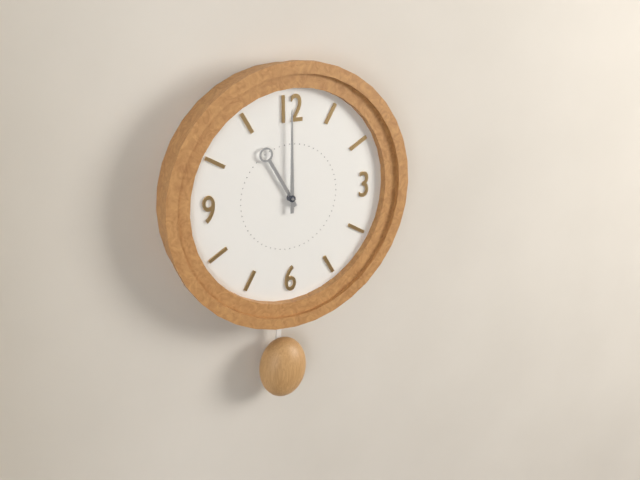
11:00
